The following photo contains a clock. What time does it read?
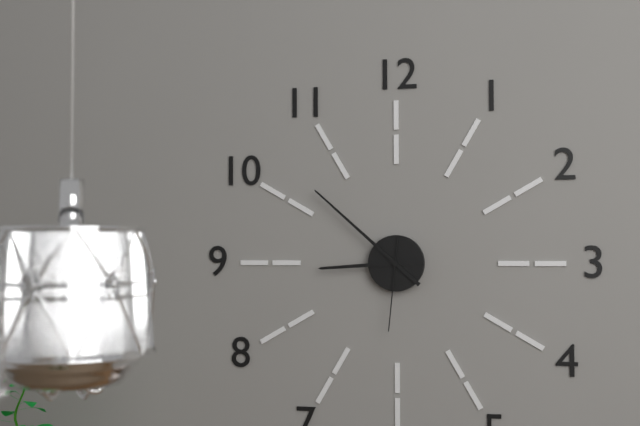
8:52:31
